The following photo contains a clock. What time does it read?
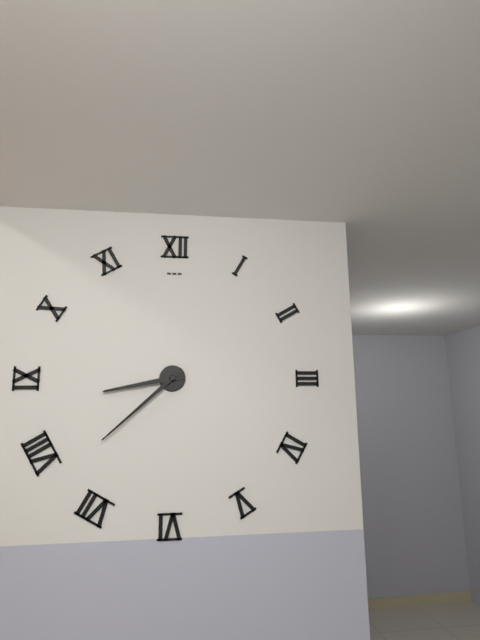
8:38
